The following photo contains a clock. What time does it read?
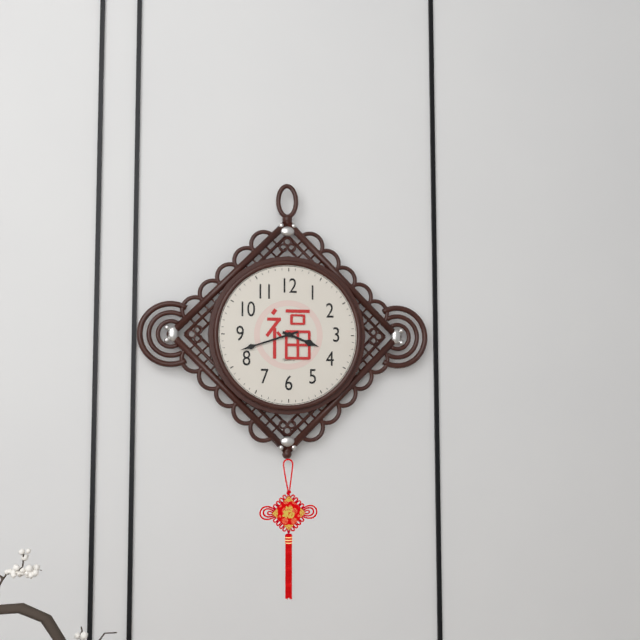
3:42
